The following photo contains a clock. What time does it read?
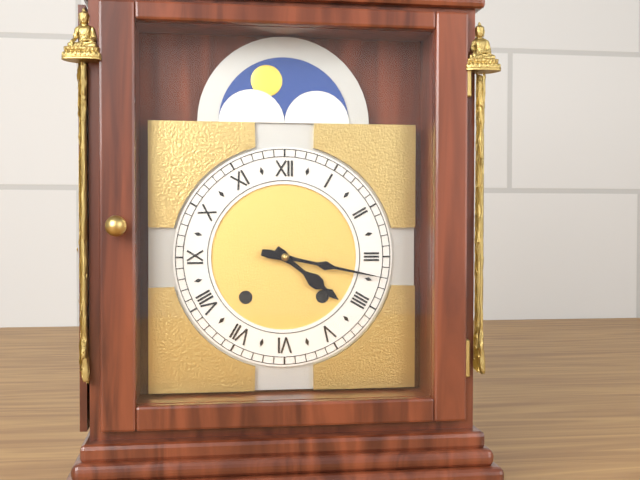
4:17
